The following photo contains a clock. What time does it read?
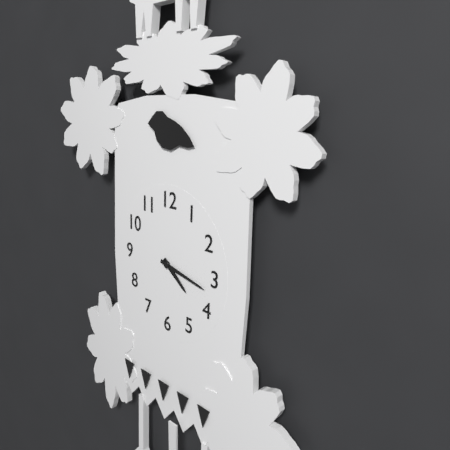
4:17
